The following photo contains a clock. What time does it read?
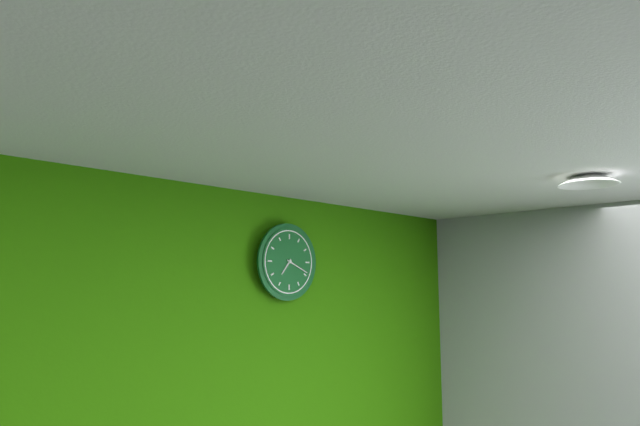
7:19
